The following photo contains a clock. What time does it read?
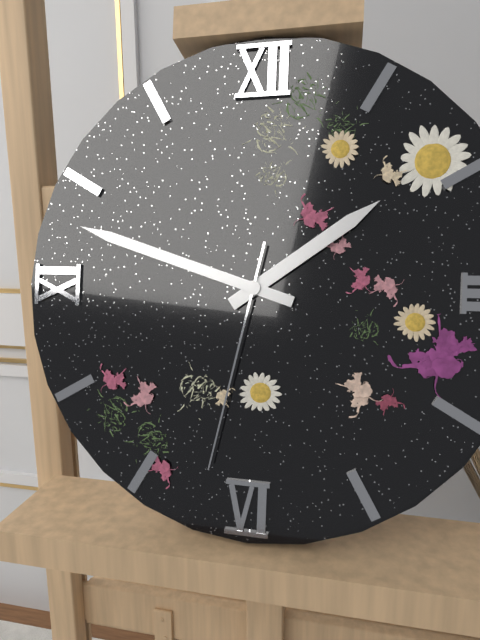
1:48:32
